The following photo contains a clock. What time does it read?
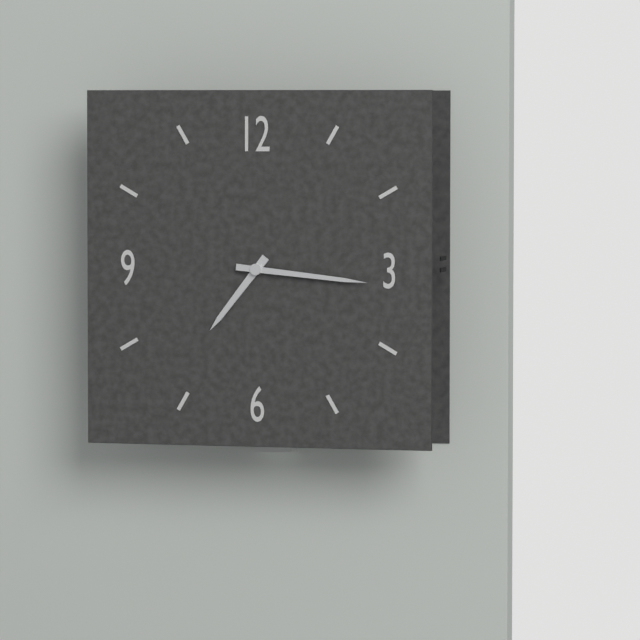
7:16
